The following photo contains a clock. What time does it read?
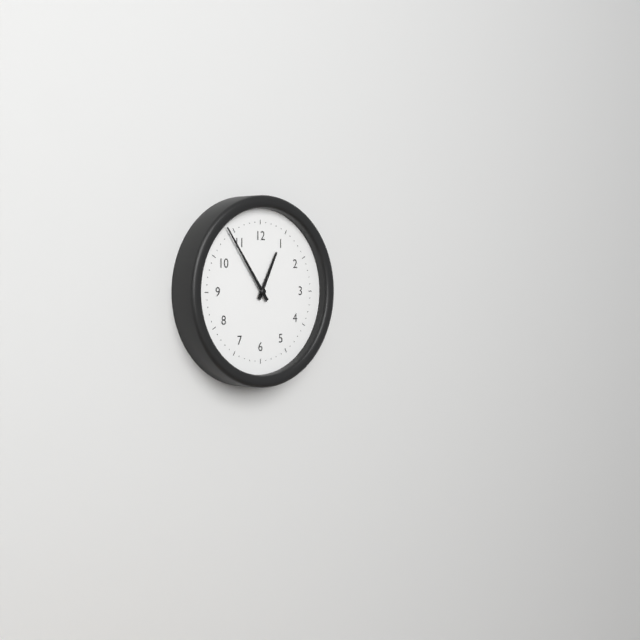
12:54
